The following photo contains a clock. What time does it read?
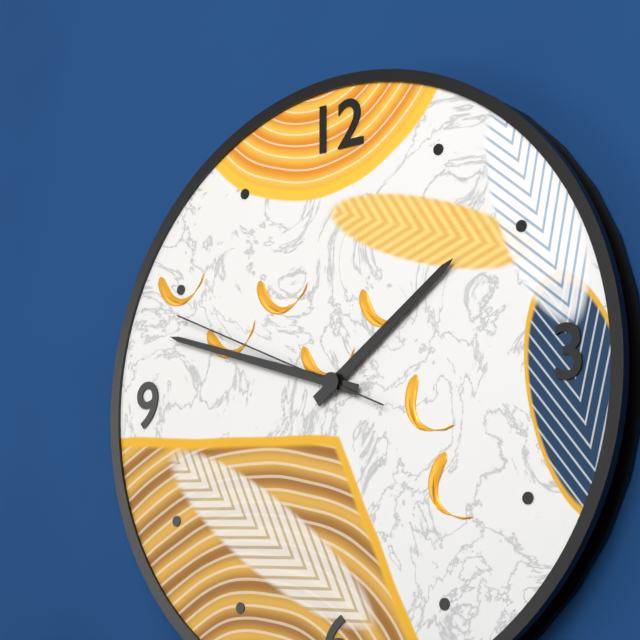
1:48:49
